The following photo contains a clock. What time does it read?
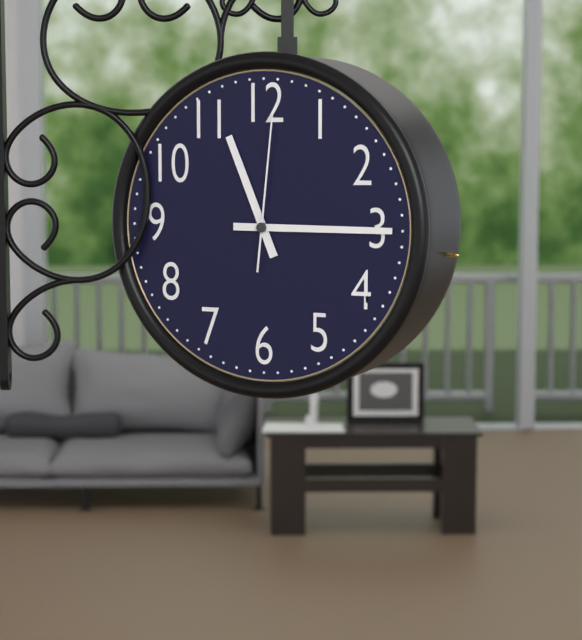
11:15:01
